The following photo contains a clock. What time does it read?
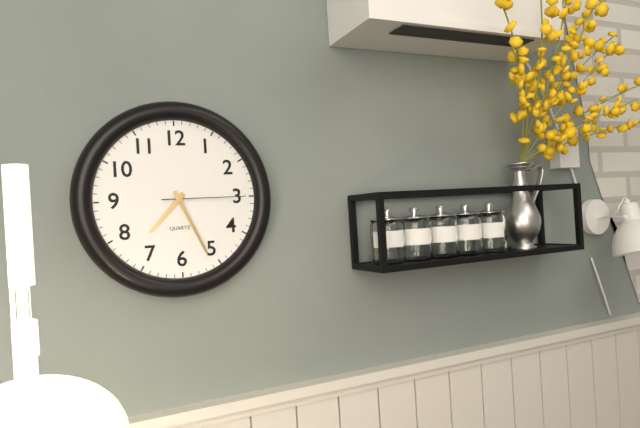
7:26:15
